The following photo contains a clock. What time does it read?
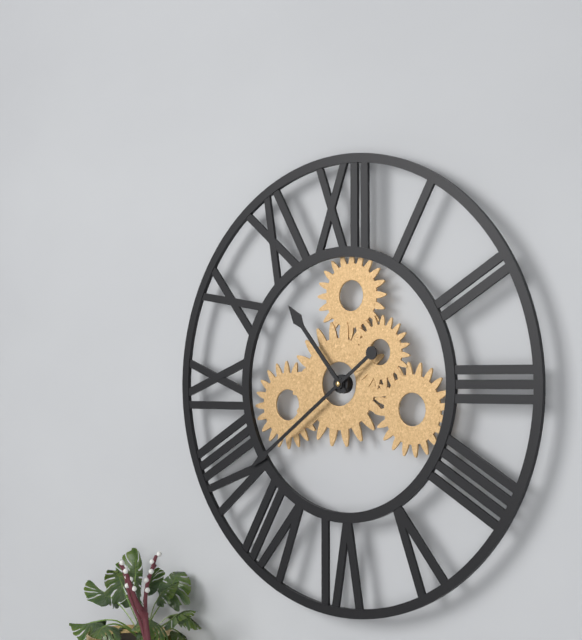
10:39
